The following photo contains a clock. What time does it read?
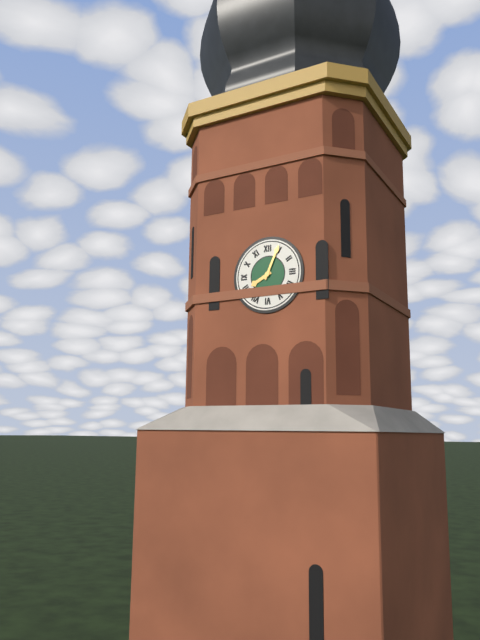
8:04
